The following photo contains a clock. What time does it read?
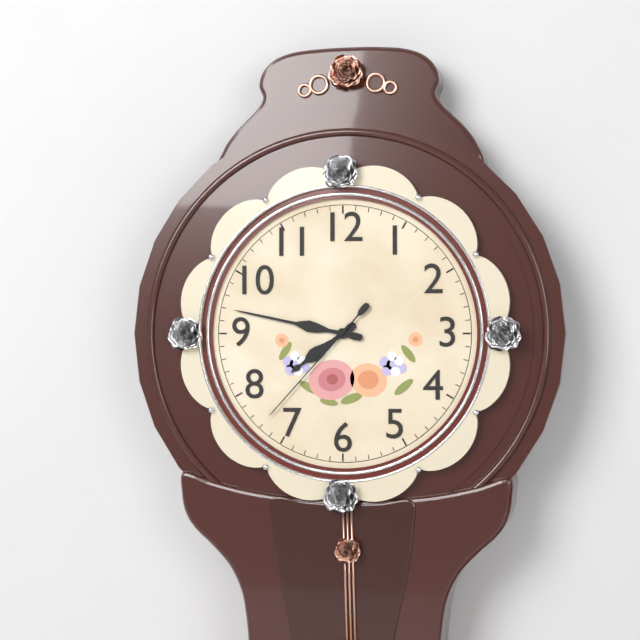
7:47:37
